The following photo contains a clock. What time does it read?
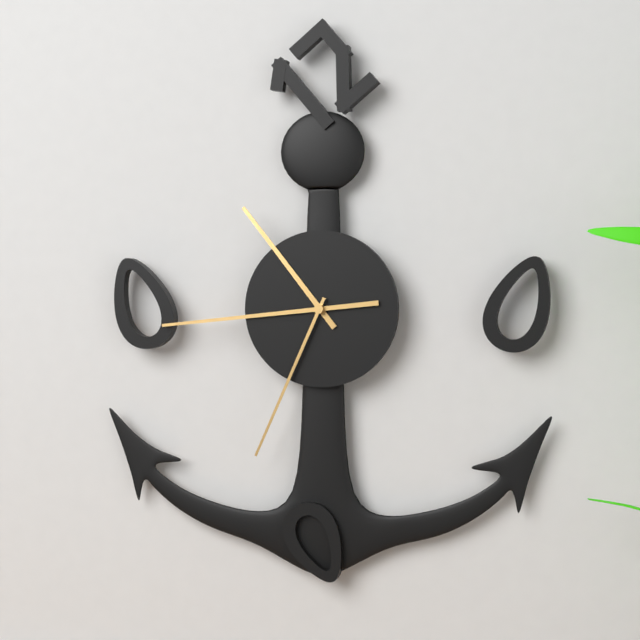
10:44:34
